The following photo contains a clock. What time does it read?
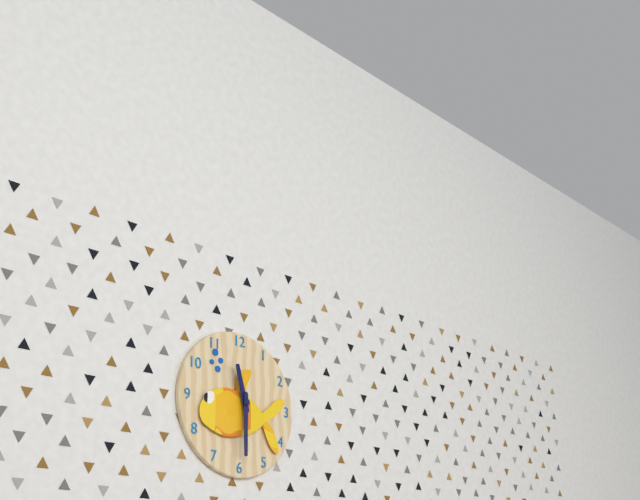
11:30
